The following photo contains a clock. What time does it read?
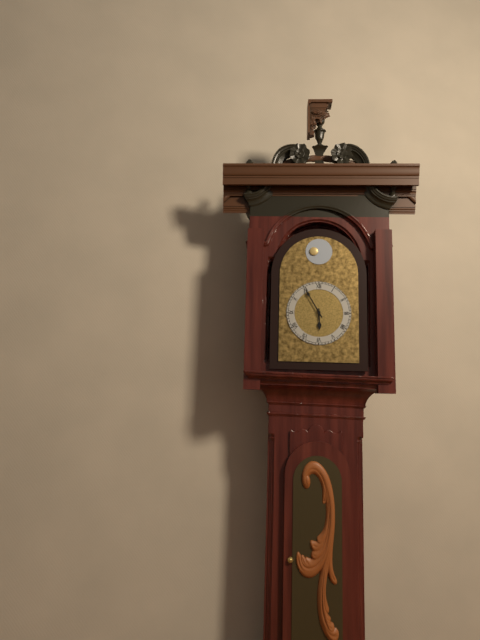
5:55
